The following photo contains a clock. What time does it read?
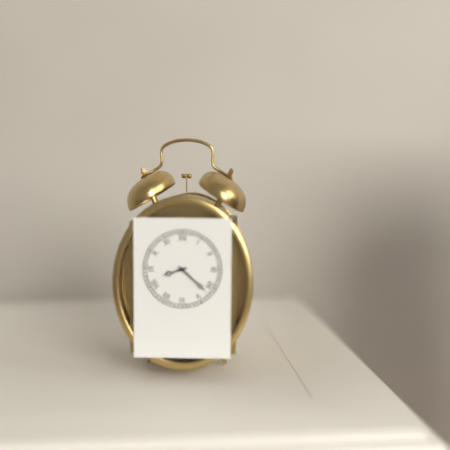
8:22
